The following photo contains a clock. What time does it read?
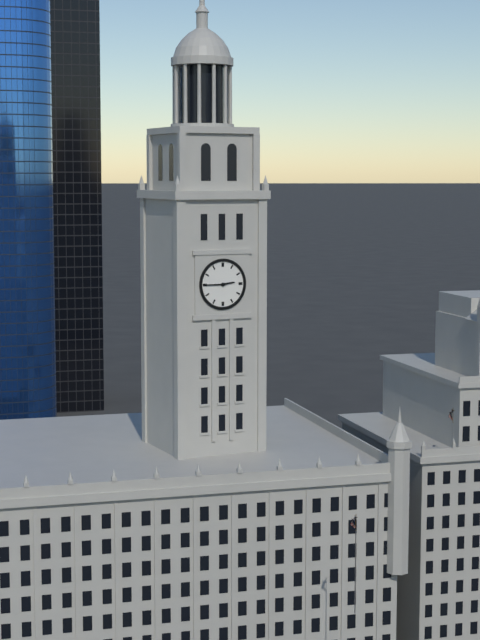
2:45
